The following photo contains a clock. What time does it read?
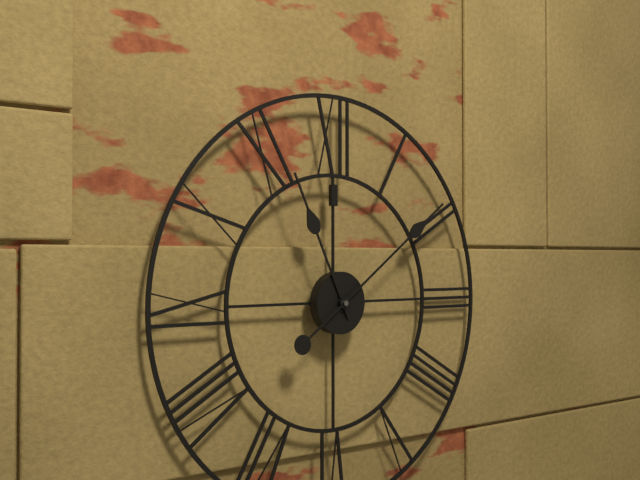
11:09
